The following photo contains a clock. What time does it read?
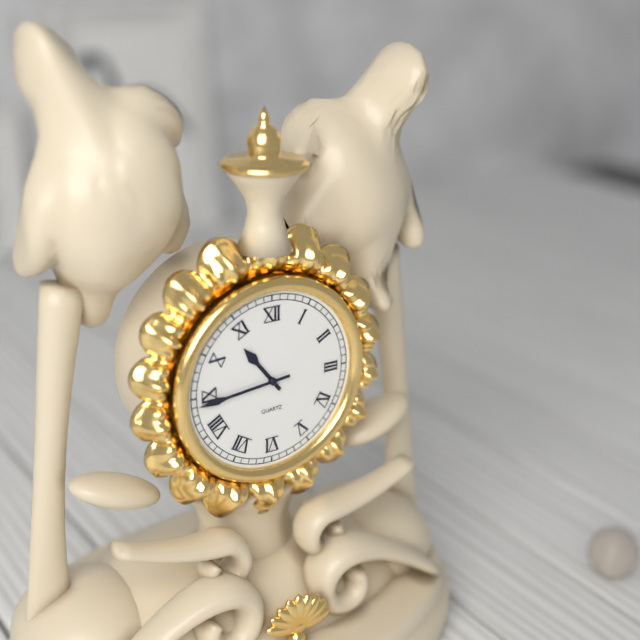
10:44
